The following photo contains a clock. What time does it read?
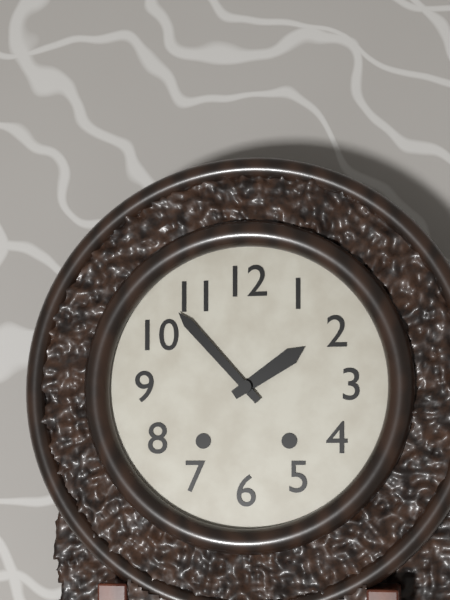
1:53
